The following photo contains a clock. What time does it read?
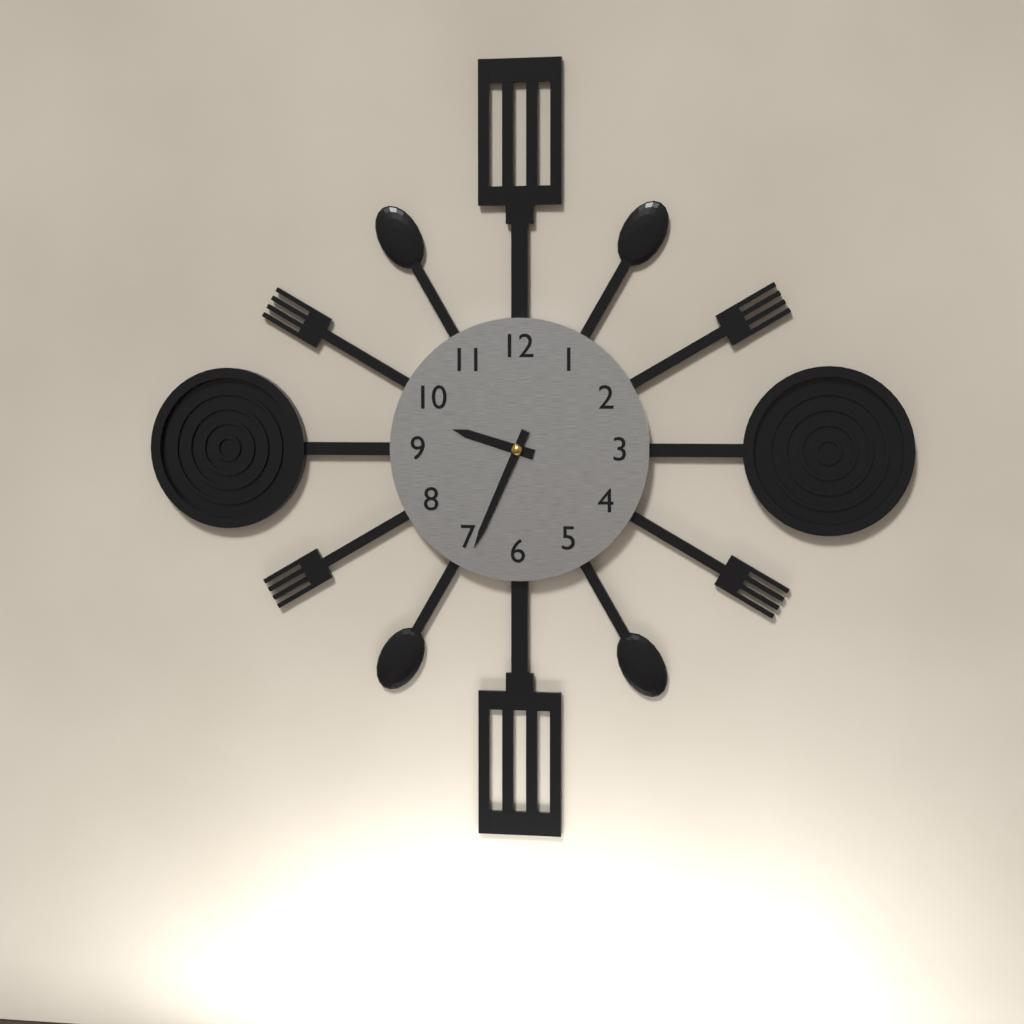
9:34
